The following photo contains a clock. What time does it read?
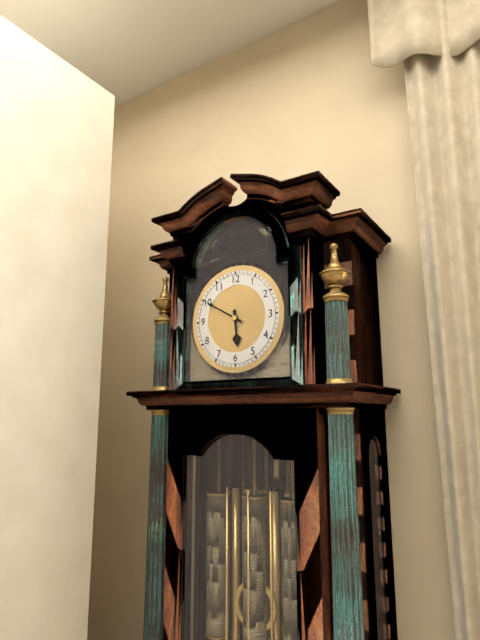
5:50
